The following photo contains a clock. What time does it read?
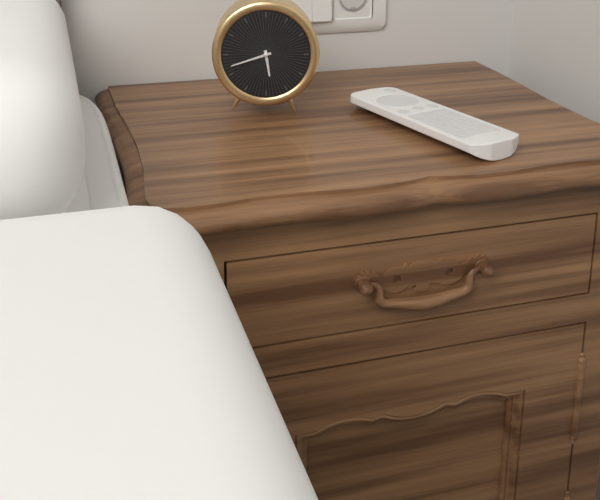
5:42
